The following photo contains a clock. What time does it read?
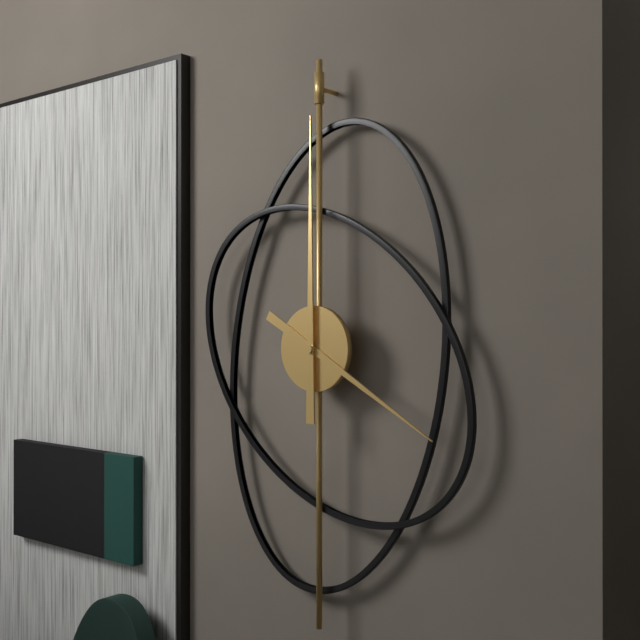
4:00
